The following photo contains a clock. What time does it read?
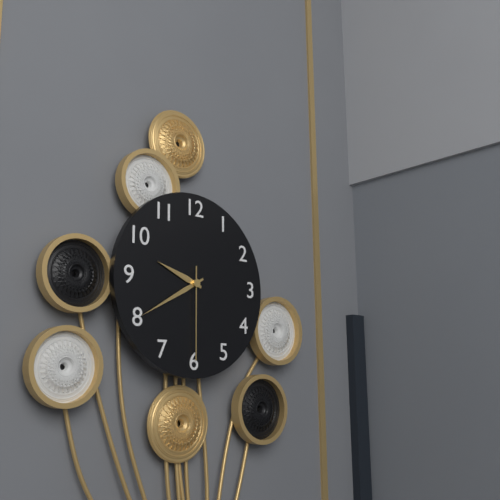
9:40:30
